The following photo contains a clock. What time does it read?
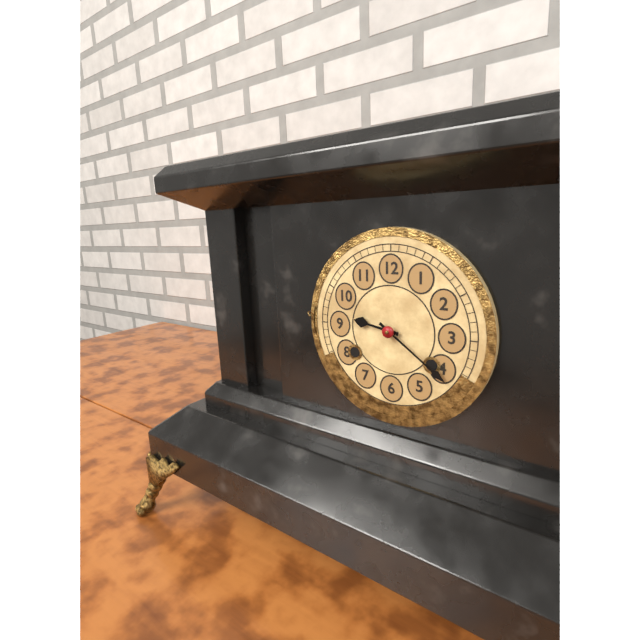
9:21
